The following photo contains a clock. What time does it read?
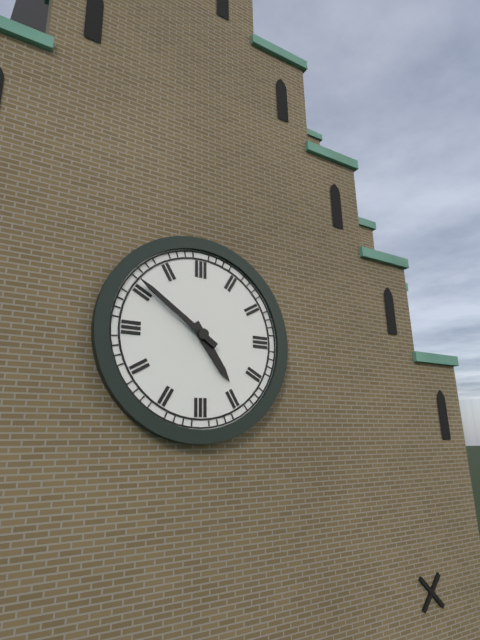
4:51
